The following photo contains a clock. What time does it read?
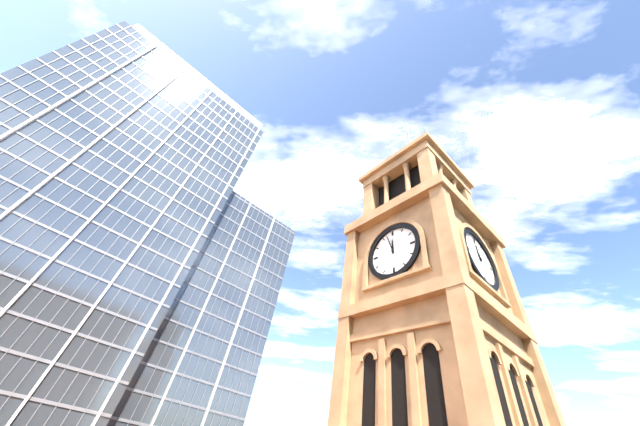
11:57
